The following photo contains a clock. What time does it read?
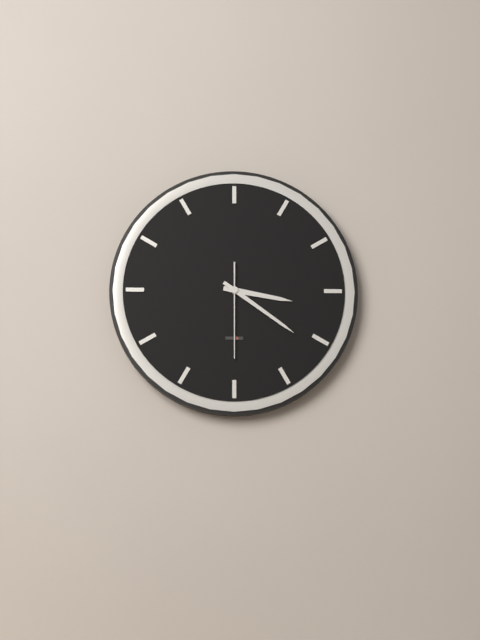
3:21:30
